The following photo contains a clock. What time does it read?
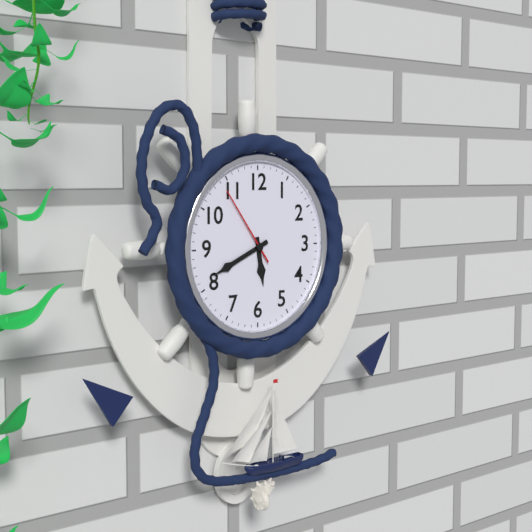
5:41:54
